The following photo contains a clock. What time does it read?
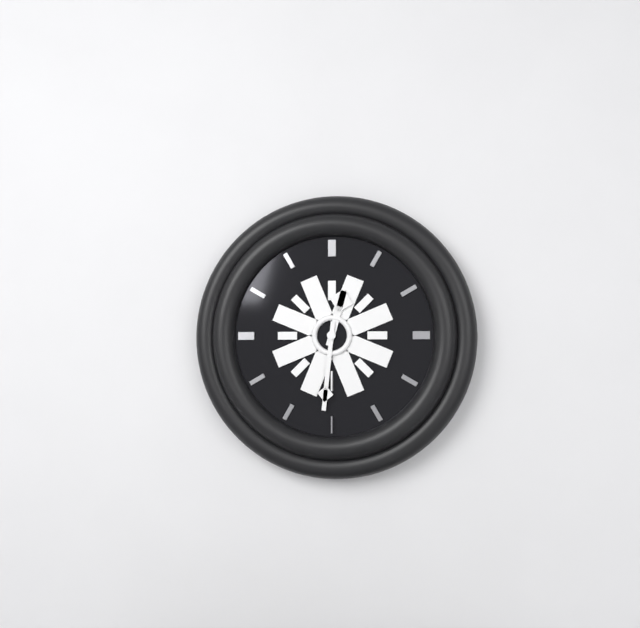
12:31
